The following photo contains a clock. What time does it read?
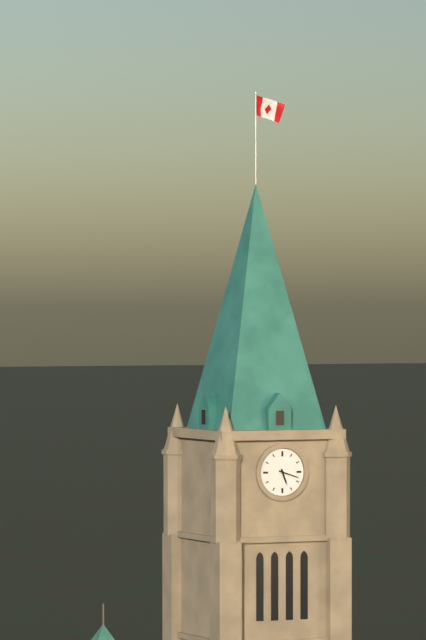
5:18
